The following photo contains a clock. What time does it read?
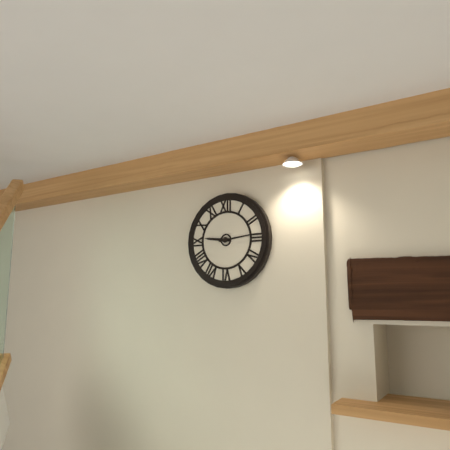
9:14
